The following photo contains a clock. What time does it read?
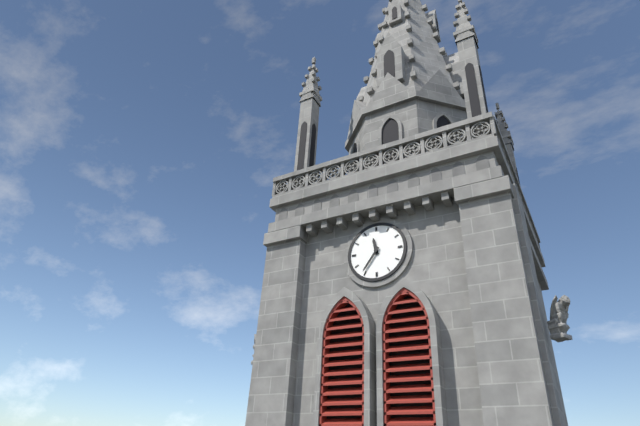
11:36
